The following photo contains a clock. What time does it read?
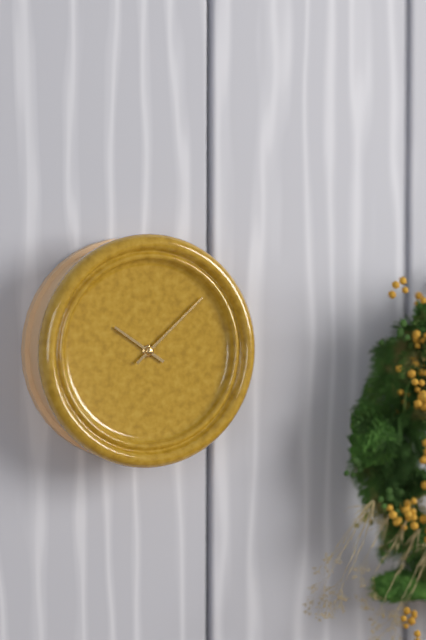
10:08
